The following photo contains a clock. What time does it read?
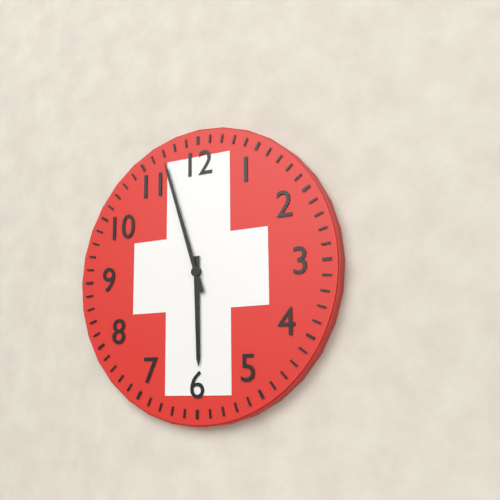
5:57
